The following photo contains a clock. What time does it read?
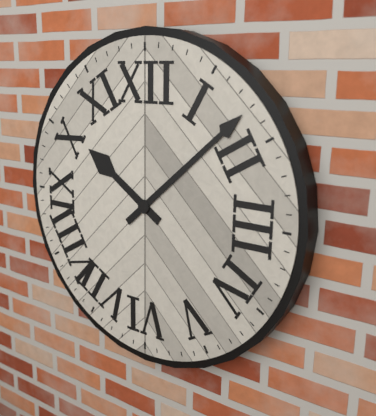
10:08
